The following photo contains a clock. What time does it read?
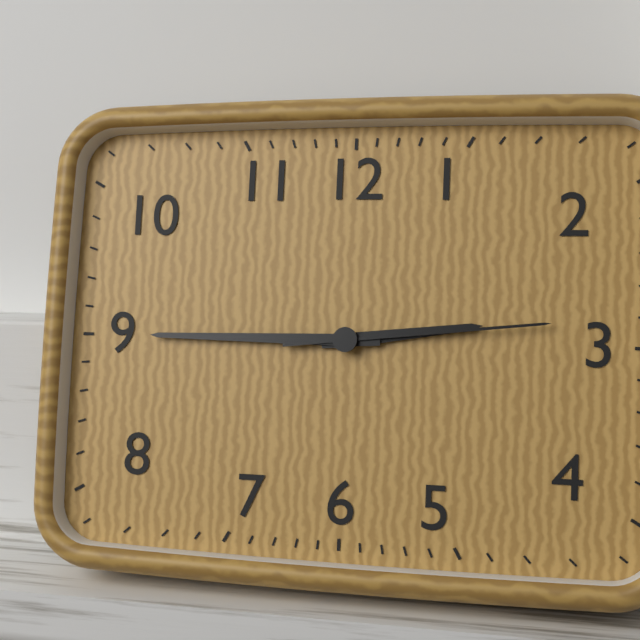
2:45:14
